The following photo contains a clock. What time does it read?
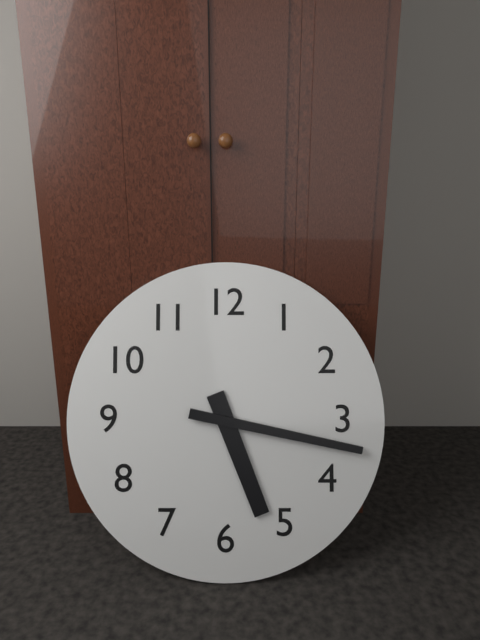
5:17
